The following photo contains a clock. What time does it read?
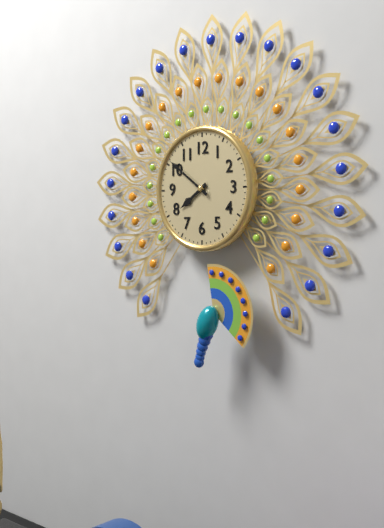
7:51
